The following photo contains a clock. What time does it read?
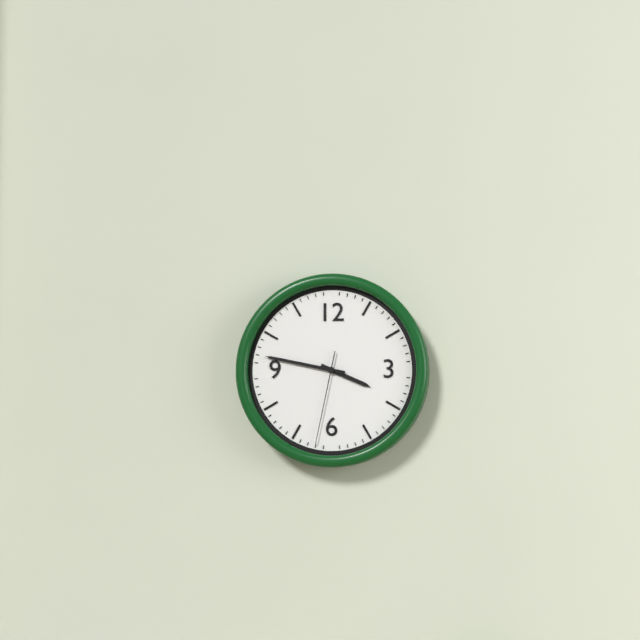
3:47:32
